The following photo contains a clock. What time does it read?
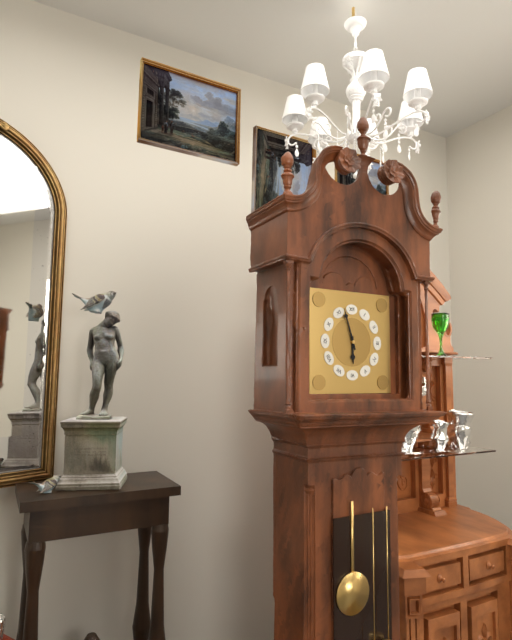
5:57
